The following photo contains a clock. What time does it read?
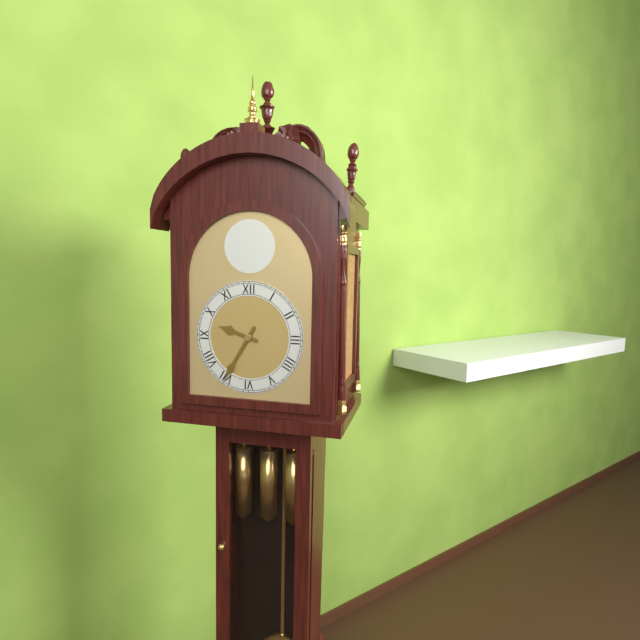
9:35
